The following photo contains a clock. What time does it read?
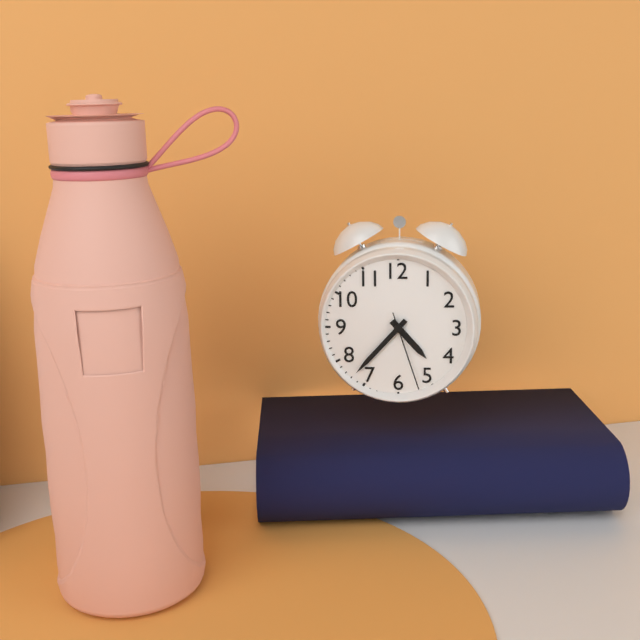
4:37:27
